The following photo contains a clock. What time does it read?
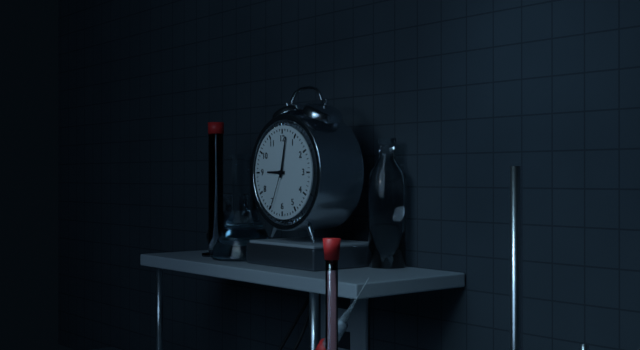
9:02
